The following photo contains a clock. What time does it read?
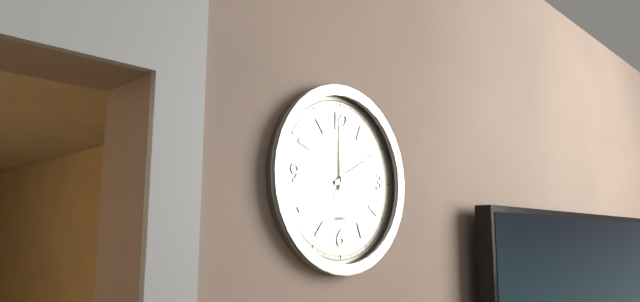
2:00:03
